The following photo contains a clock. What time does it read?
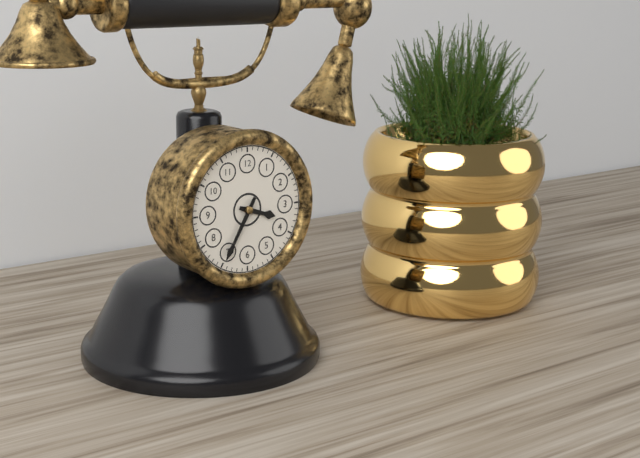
3:35
